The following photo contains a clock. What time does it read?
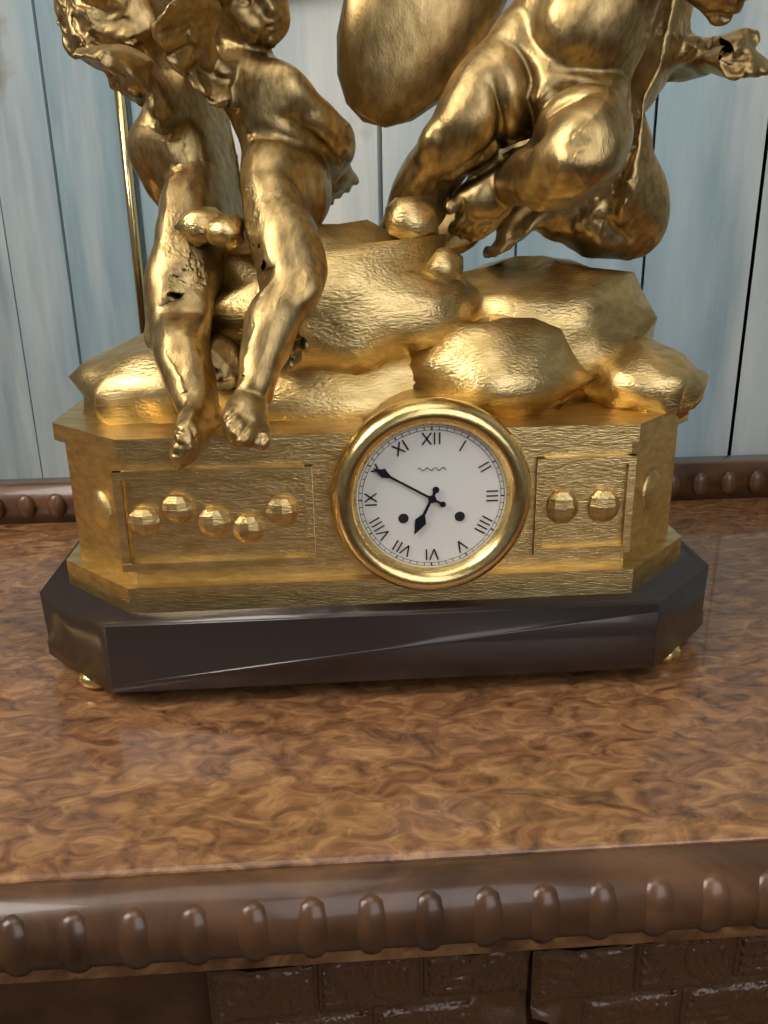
6:50
